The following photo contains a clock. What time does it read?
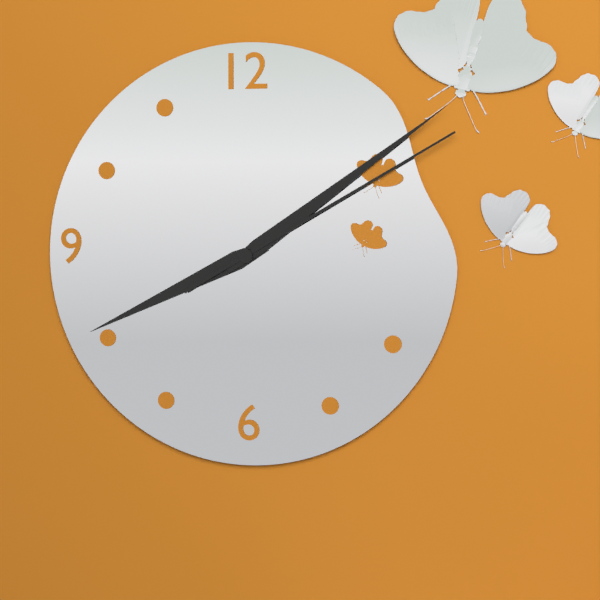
8:09:10
